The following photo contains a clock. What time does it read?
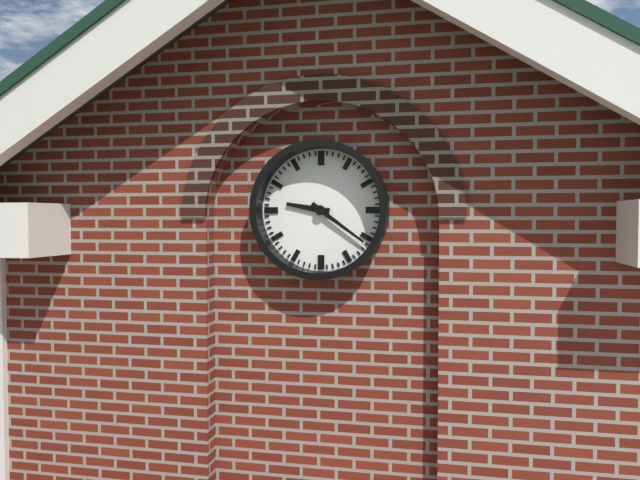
9:21
